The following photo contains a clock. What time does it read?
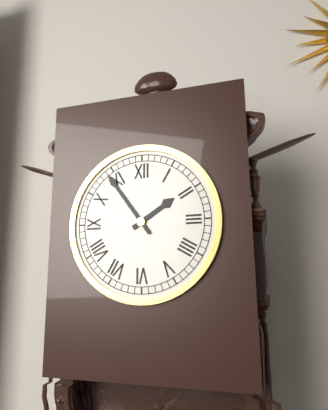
1:54
